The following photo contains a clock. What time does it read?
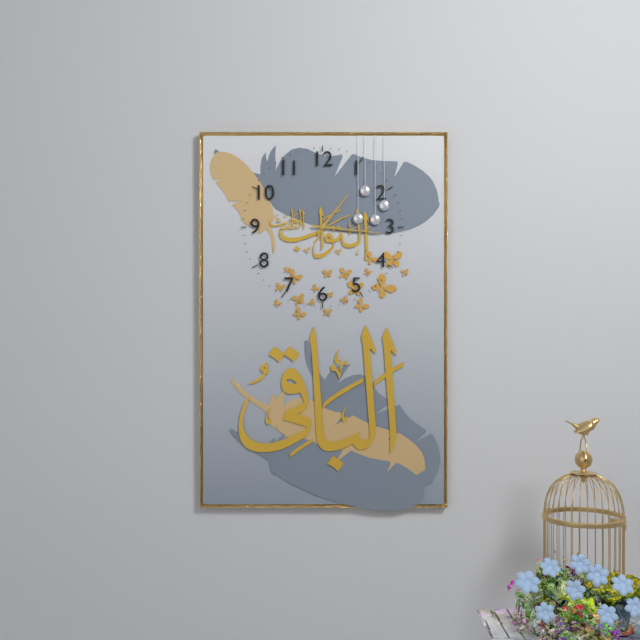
1:16
